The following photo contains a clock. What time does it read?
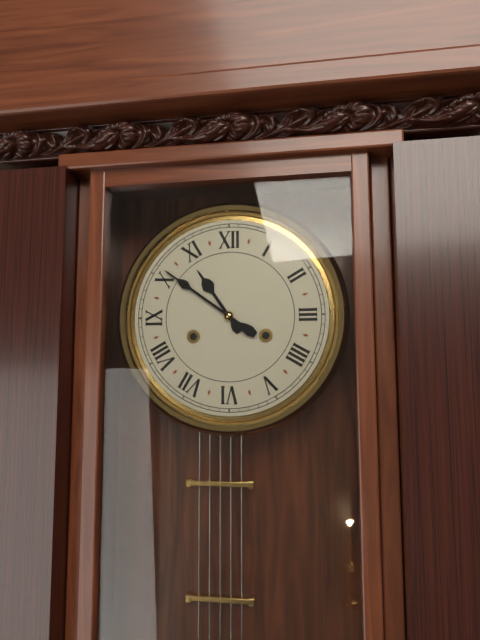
10:51
